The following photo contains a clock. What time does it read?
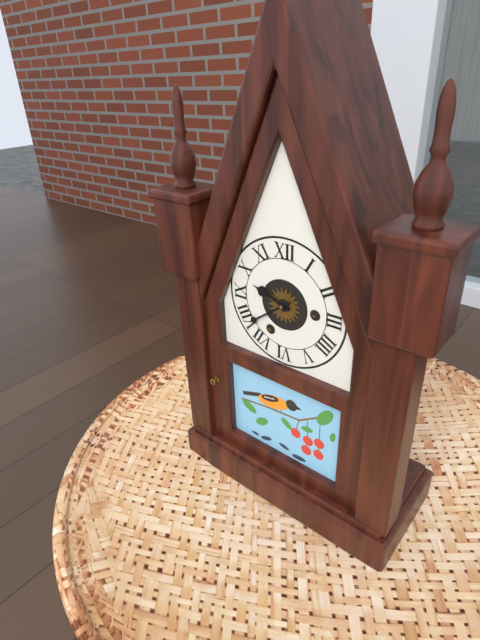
9:39
